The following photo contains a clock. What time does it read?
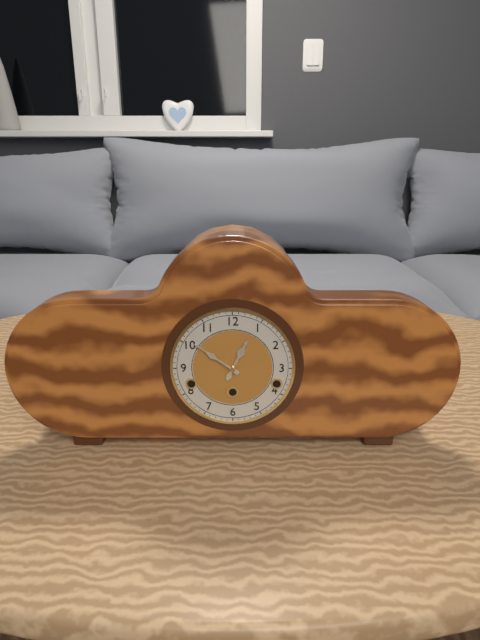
12:51
